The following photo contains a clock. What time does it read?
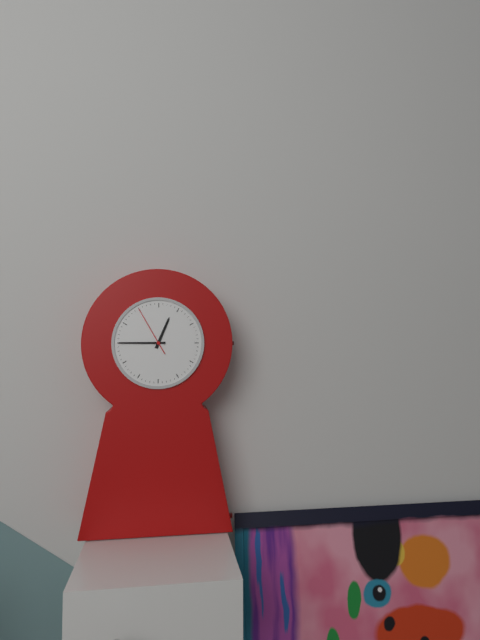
12:45:55
